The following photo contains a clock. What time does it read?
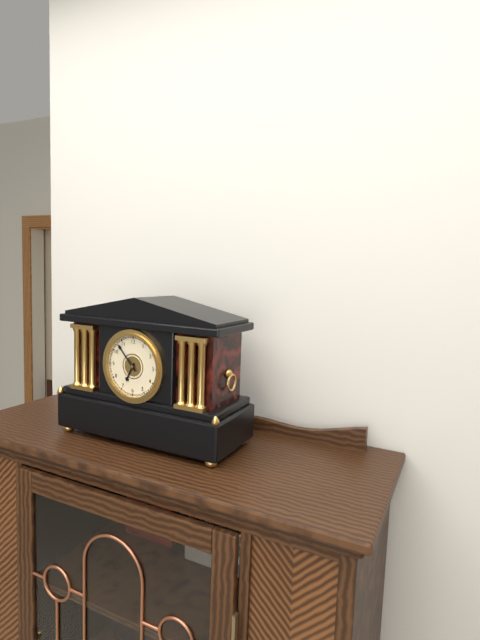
6:53
